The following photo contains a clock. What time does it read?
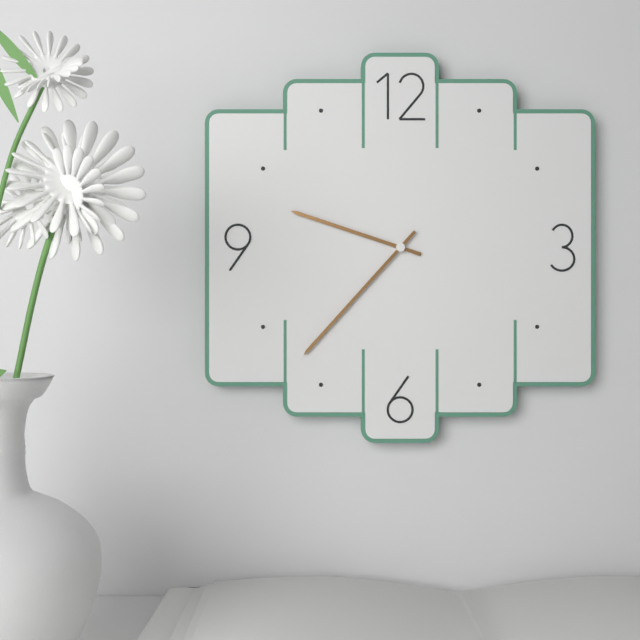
9:37
